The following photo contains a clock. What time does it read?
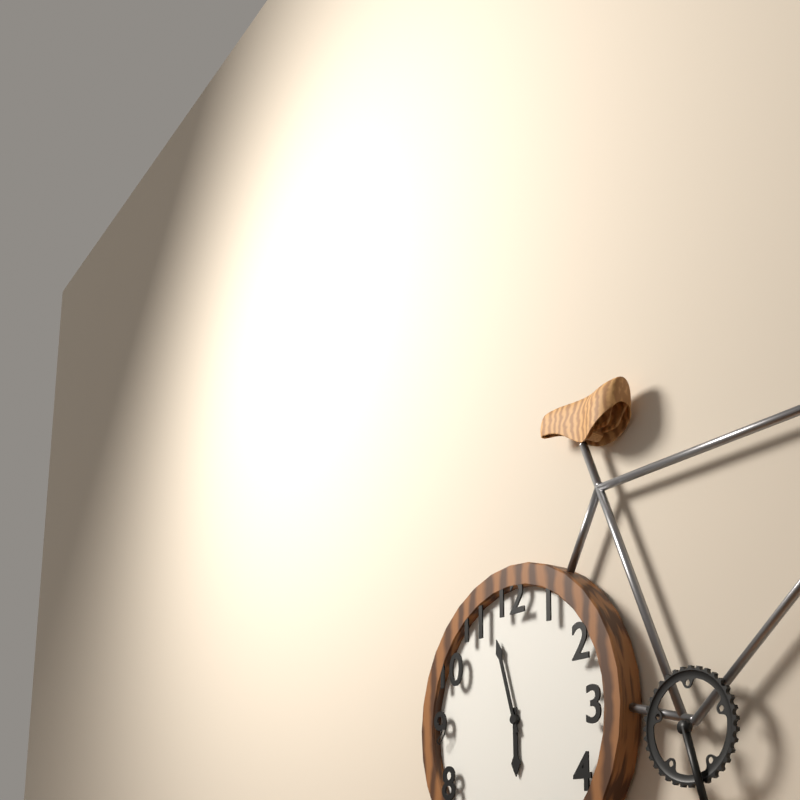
5:57
